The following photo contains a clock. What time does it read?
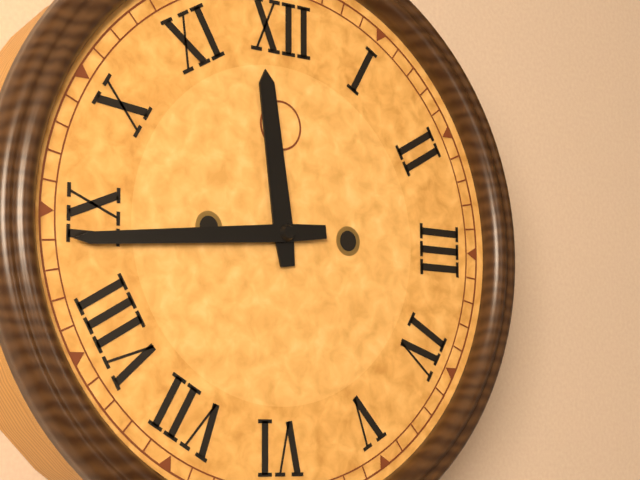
11:44
